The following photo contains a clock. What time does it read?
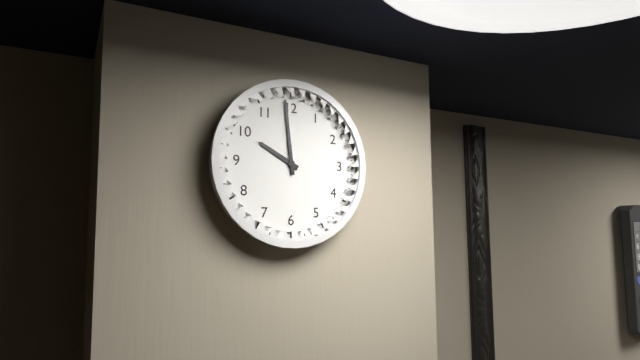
9:59
